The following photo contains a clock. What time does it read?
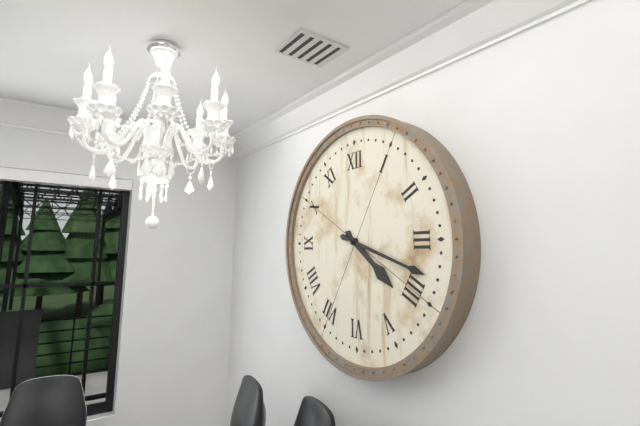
4:18
